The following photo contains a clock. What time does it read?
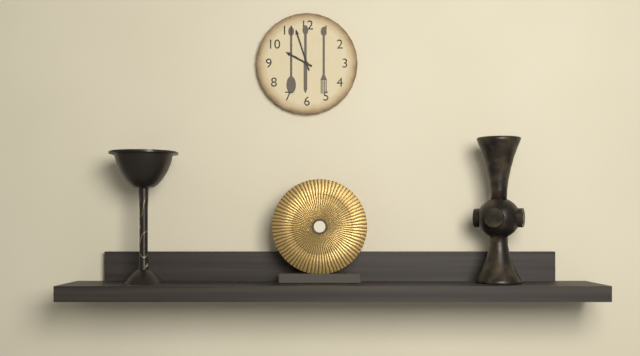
9:57
